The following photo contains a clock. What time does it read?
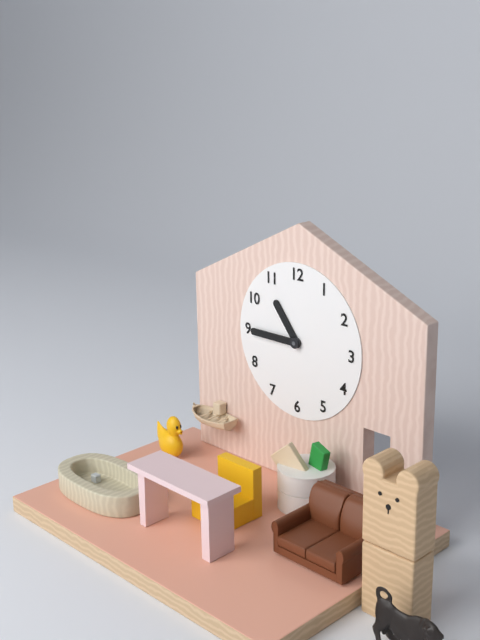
10:45
